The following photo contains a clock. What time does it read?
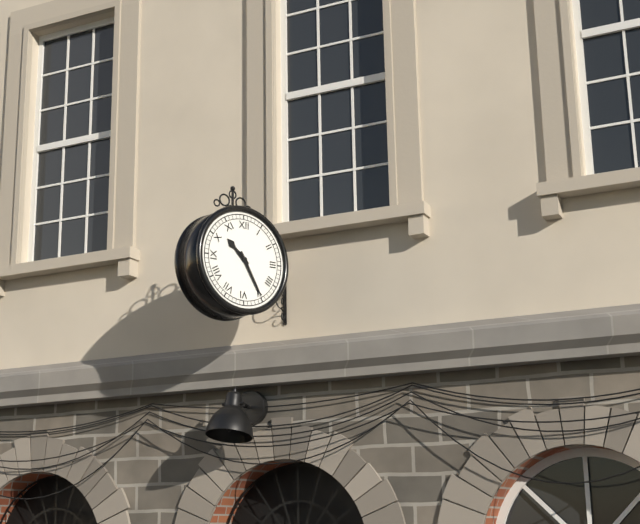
10:25
